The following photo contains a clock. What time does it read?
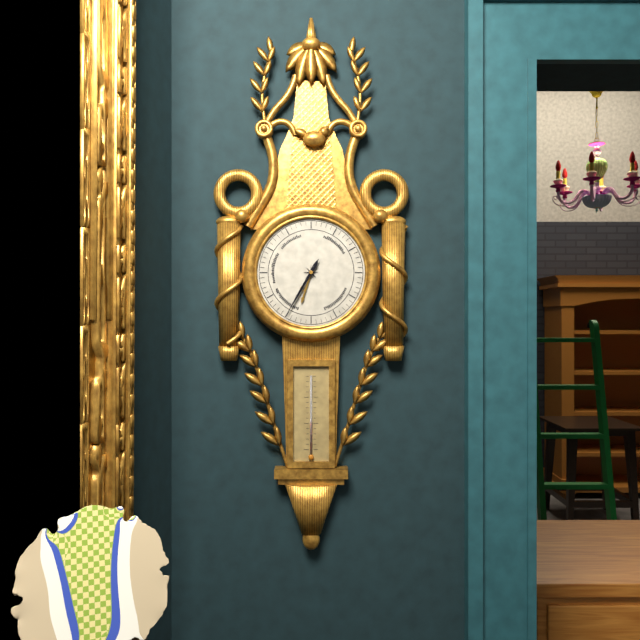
6:35
